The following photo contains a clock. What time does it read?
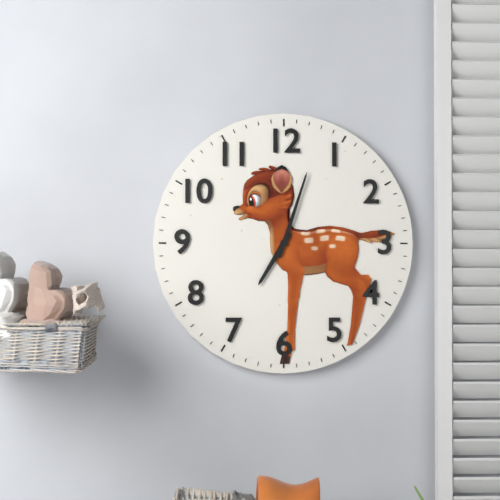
7:03
